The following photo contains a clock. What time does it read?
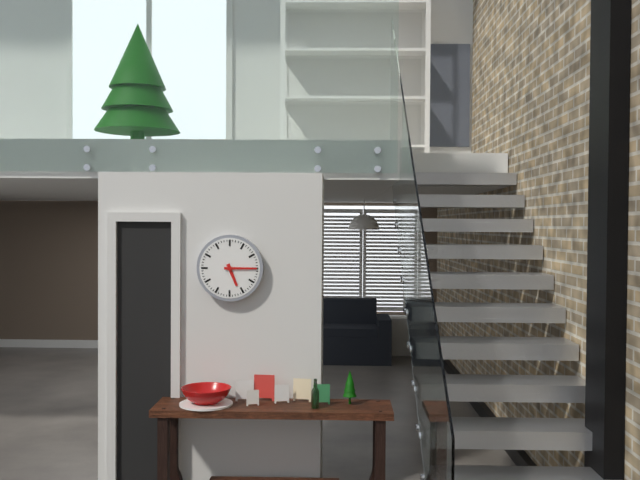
5:15
